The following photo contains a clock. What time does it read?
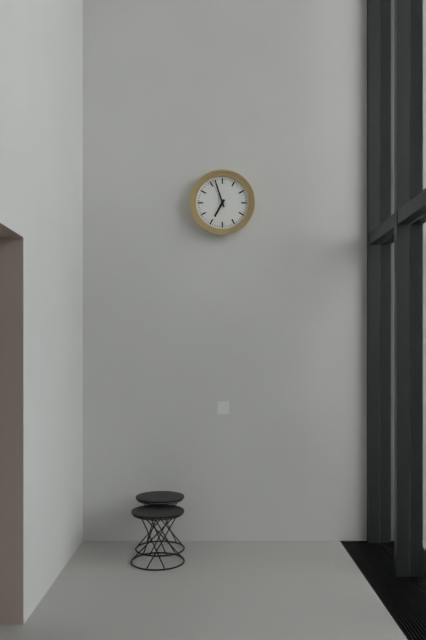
6:57
